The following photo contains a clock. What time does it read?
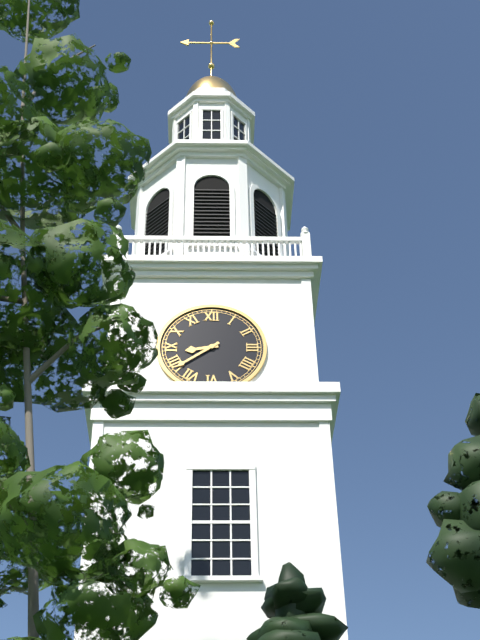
8:39
